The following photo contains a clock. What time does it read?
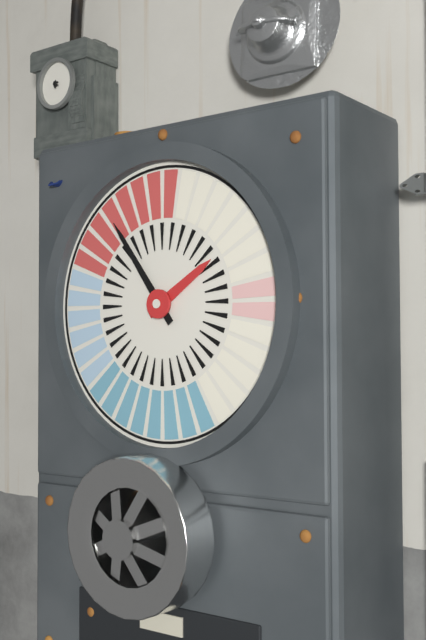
1:54
